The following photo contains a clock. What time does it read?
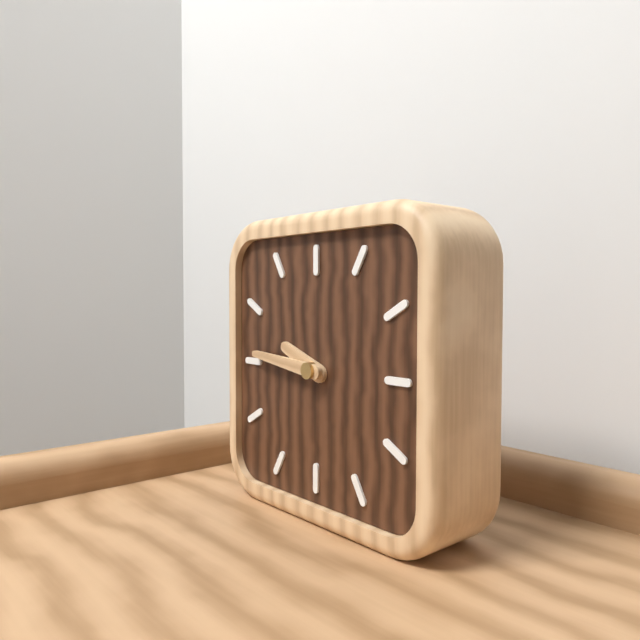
9:46
